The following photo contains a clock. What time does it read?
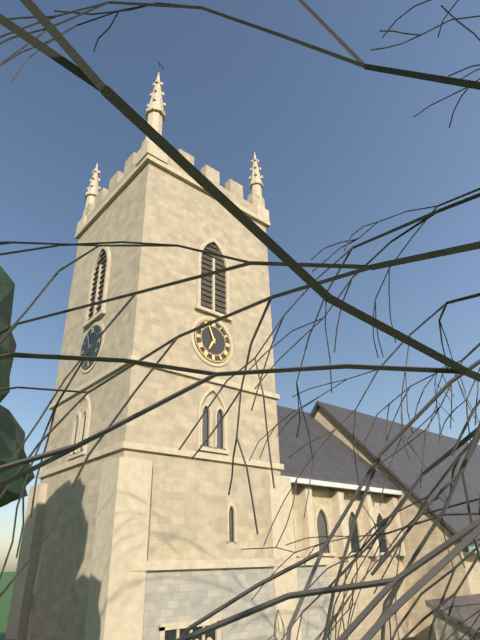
6:56
